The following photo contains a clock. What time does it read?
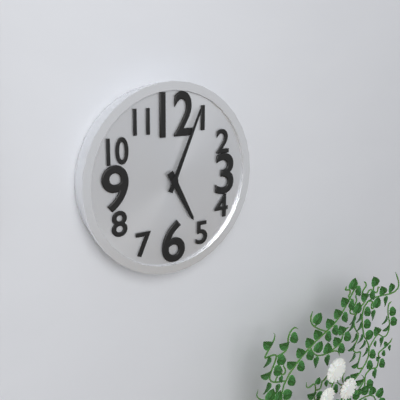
5:04
